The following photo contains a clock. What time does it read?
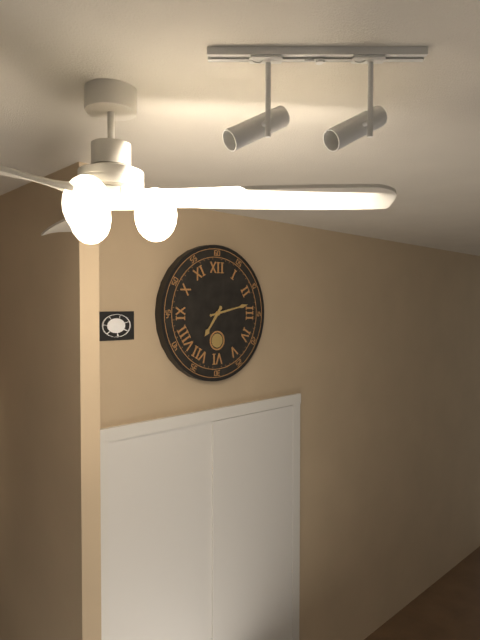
7:13
